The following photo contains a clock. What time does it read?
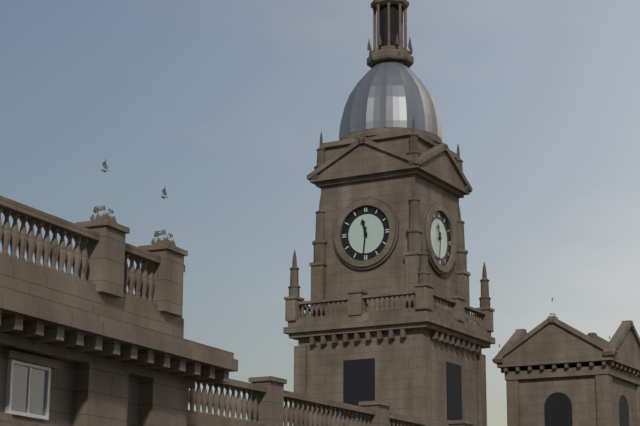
11:31
